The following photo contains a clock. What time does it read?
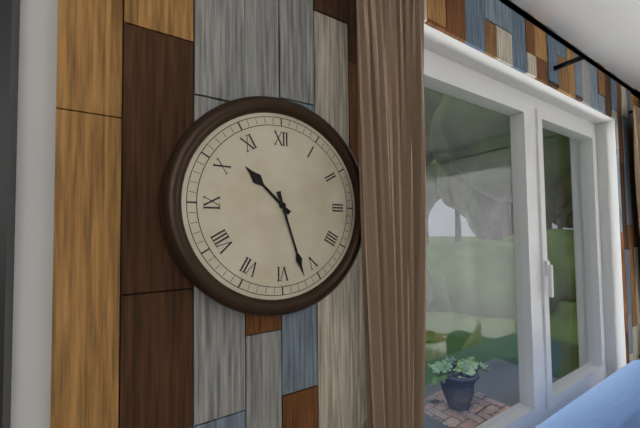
10:27
